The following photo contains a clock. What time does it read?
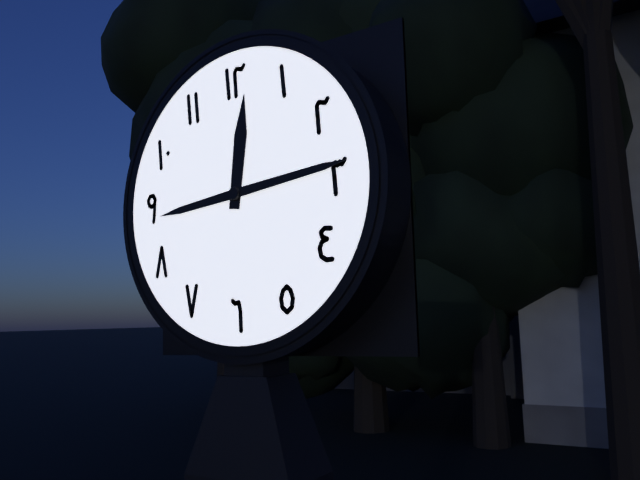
12:14
